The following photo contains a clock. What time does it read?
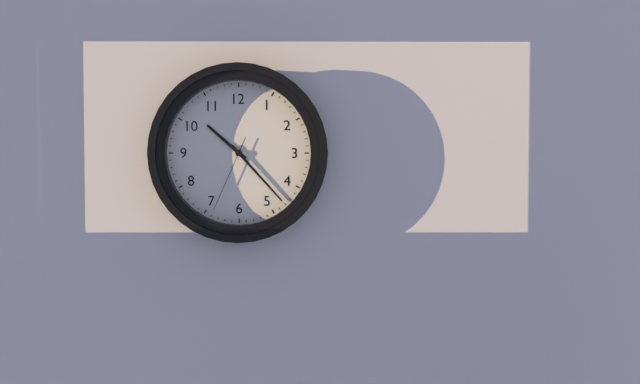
10:23:34
